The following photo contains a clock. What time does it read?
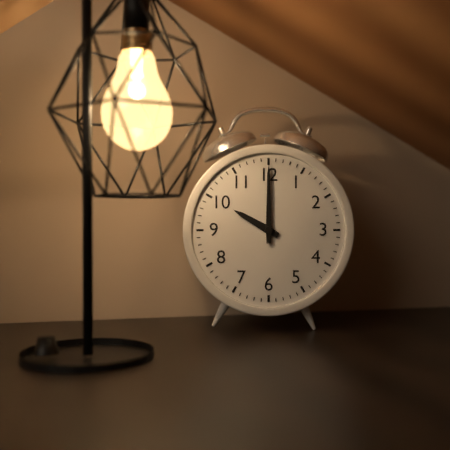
10:00
